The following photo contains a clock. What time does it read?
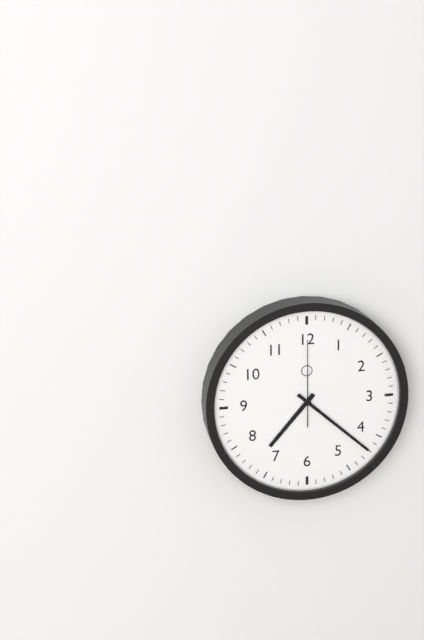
7:22:00
